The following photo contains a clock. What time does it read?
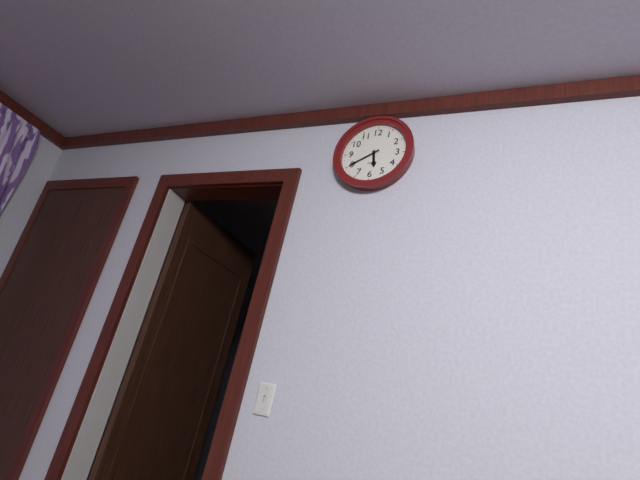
5:40
